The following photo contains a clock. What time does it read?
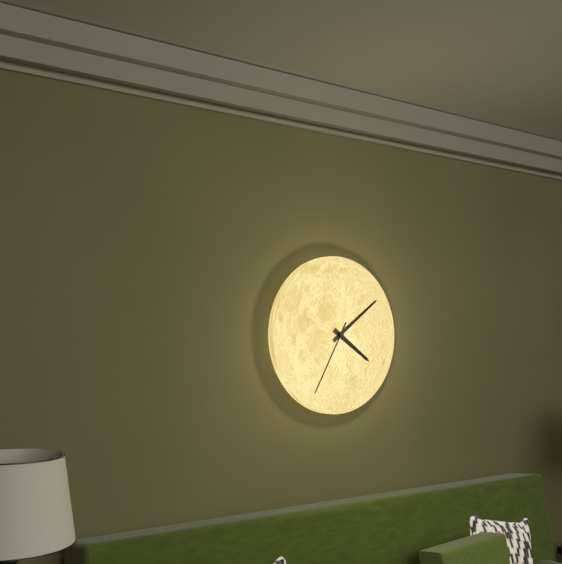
4:09:35
